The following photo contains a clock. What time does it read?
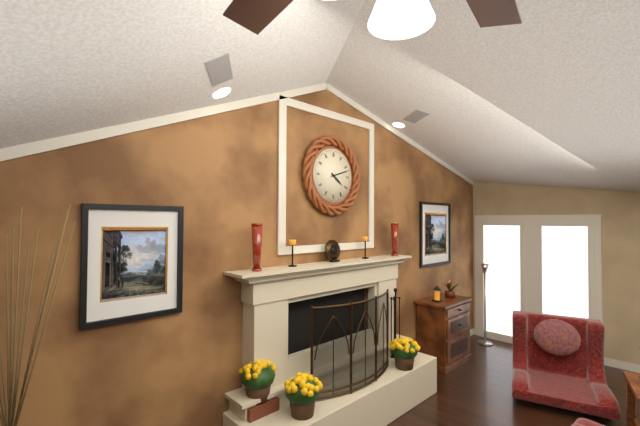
4:12
